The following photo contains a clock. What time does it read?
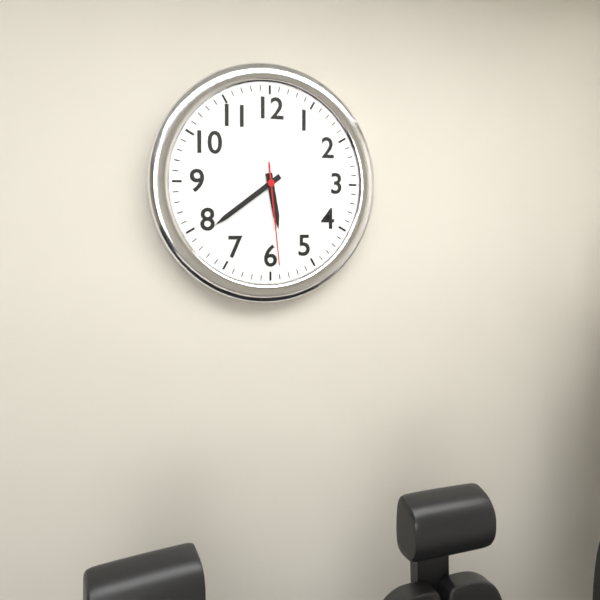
5:39:29
